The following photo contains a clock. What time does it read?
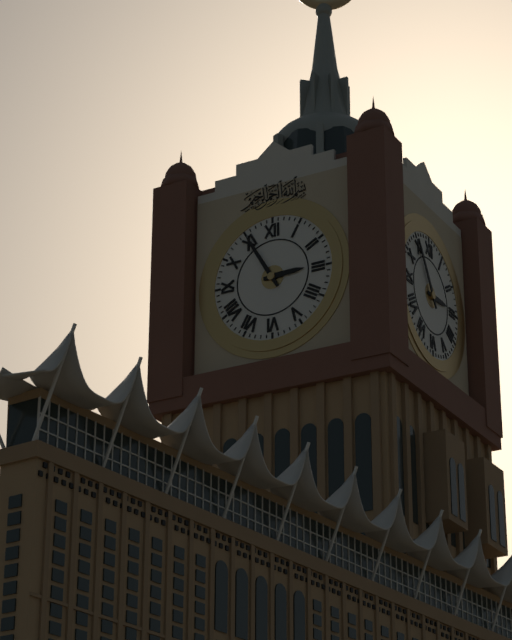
2:55
